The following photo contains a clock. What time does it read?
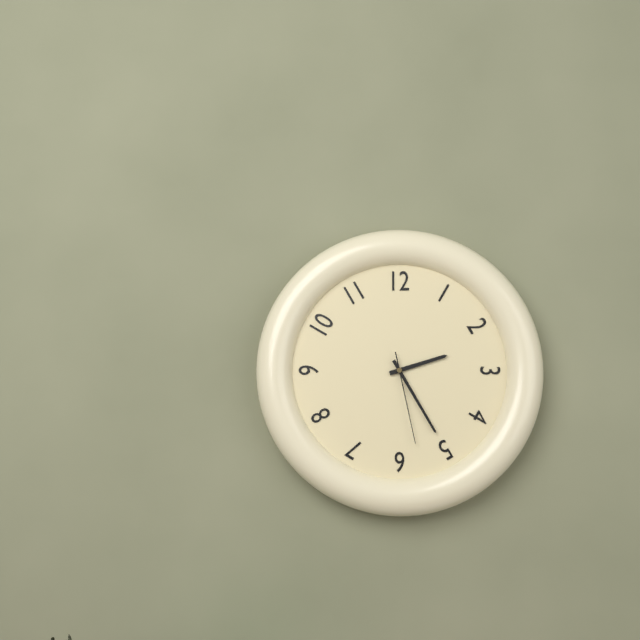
2:25:28
